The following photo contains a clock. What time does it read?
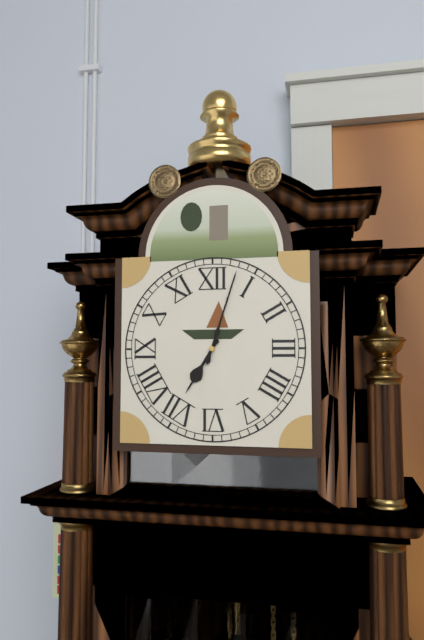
7:03
